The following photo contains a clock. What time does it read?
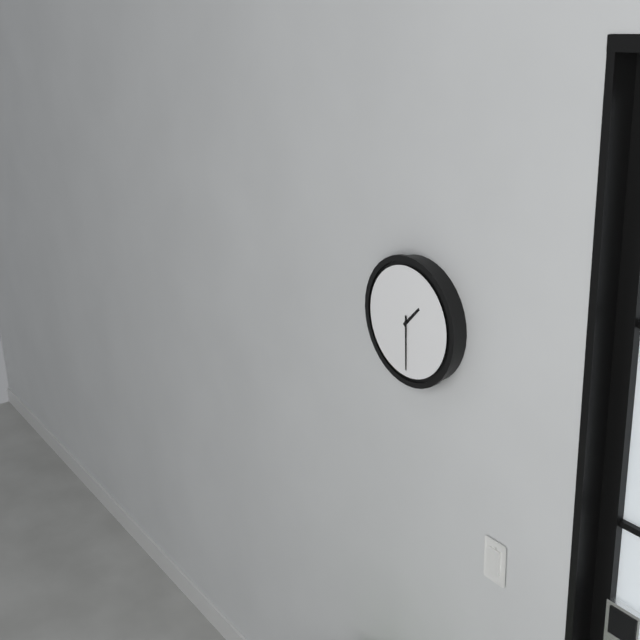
1:30
